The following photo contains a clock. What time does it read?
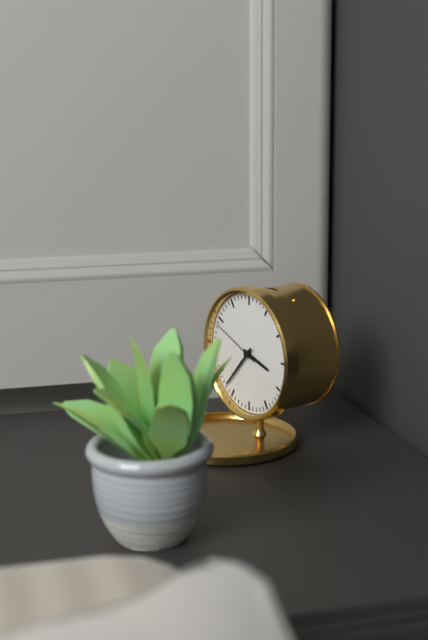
3:37:49
